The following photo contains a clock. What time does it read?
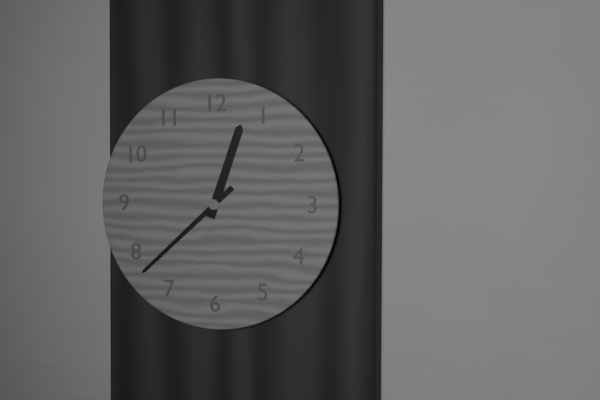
12:38
